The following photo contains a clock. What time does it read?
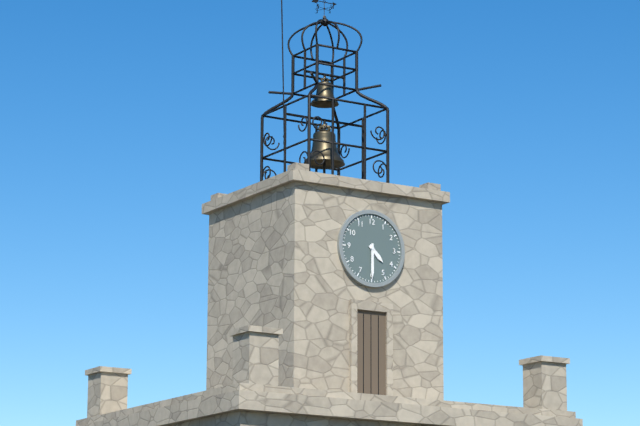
4:30
